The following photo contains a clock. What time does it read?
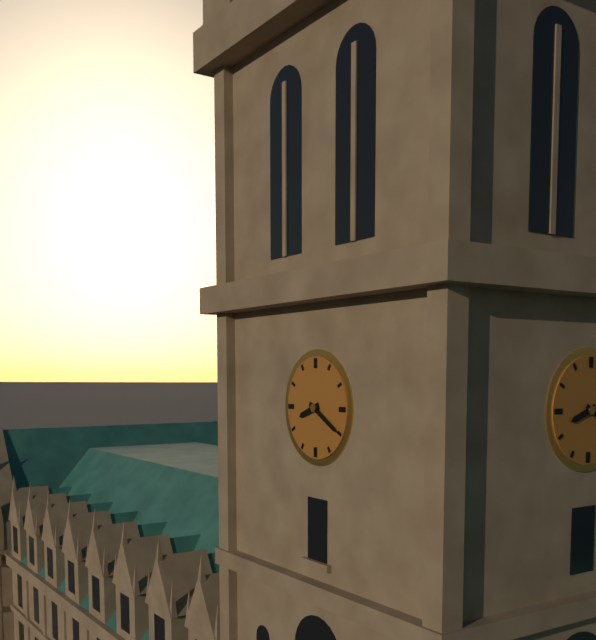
8:20
